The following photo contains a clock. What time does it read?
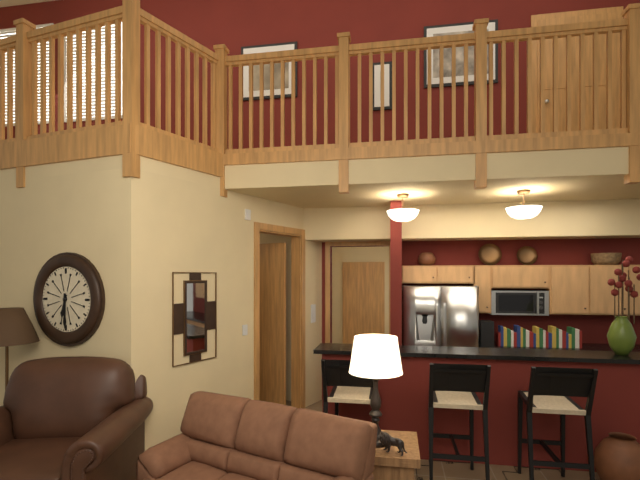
6:30
